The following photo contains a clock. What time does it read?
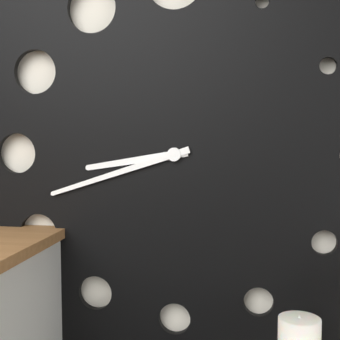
8:42
